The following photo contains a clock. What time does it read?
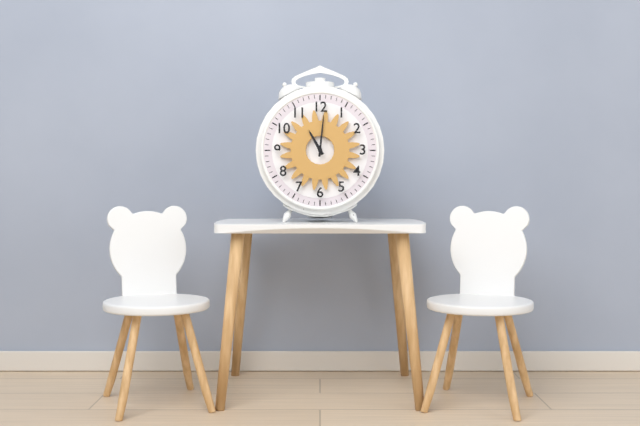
11:01
